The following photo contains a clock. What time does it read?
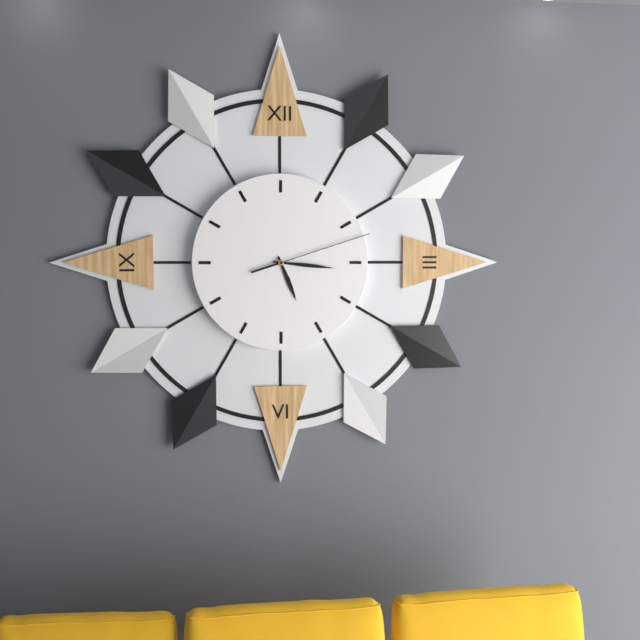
5:16:12
